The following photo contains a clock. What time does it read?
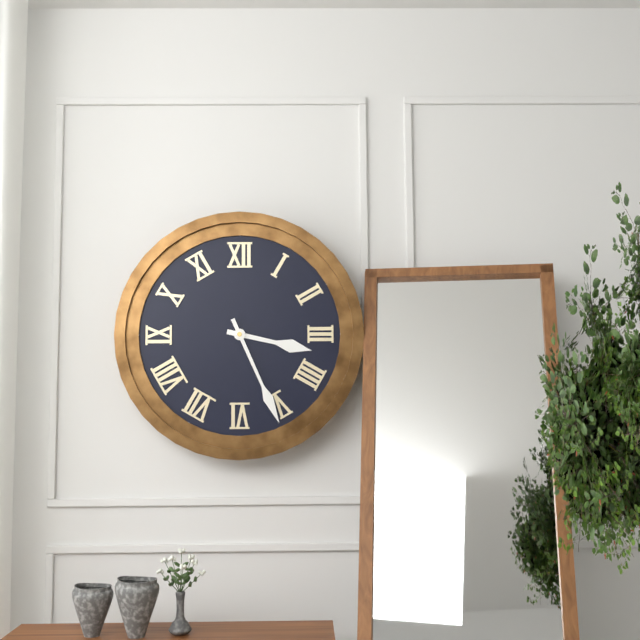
3:26
